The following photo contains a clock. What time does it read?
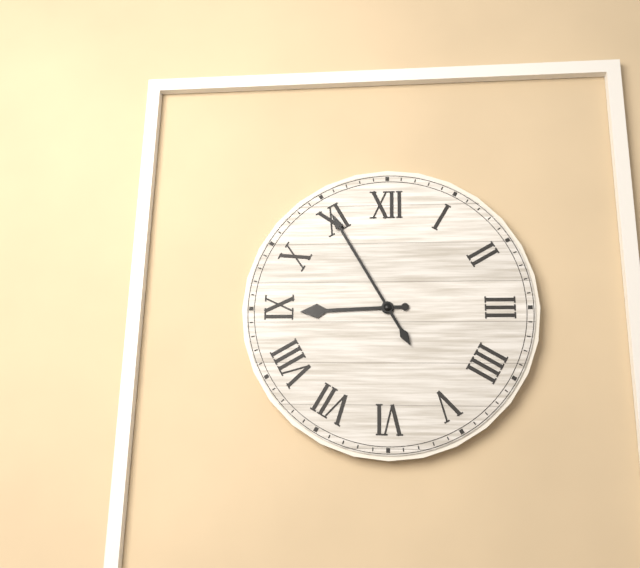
8:55
